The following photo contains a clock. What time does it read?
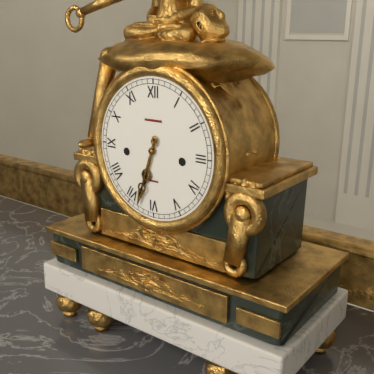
6:33
